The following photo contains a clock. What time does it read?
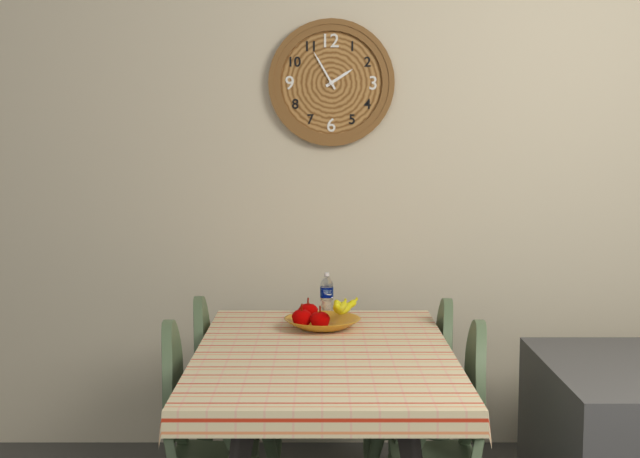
1:55
